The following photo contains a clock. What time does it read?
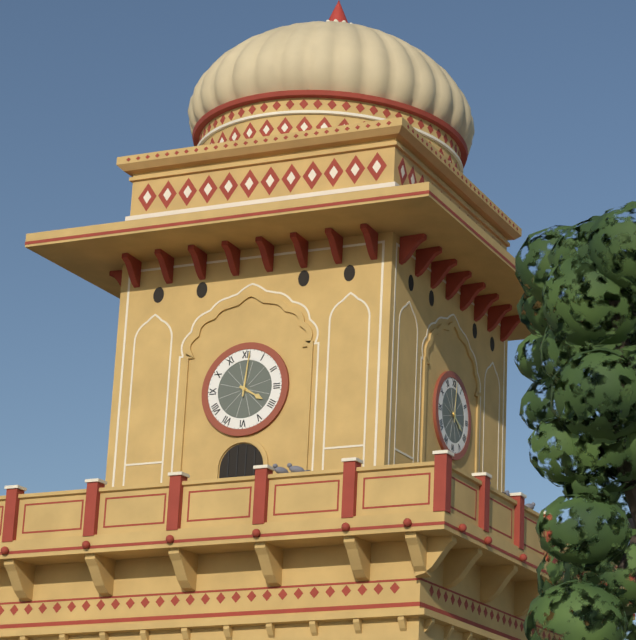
4:01
